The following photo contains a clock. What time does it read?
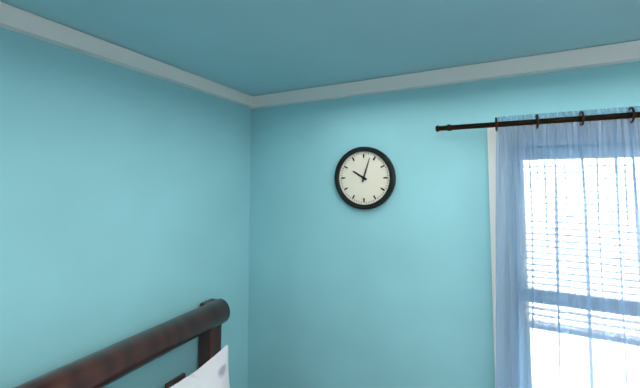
10:03
